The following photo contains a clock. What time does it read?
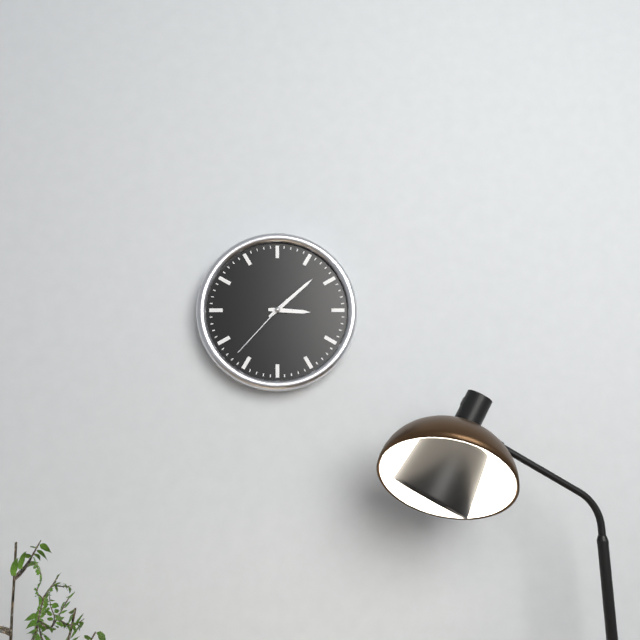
3:08:37
